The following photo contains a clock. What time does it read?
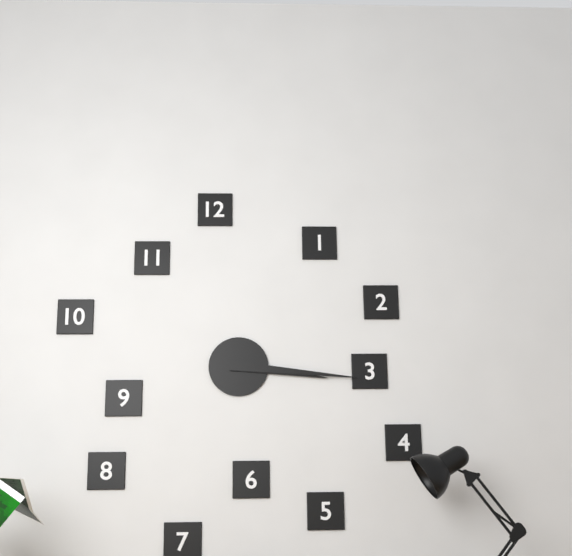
3:16
